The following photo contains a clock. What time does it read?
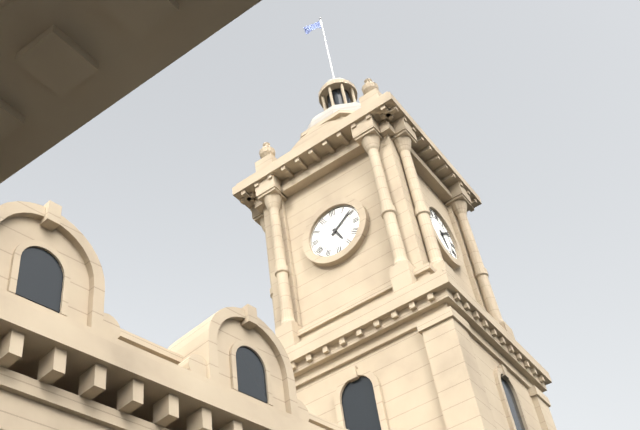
5:09
